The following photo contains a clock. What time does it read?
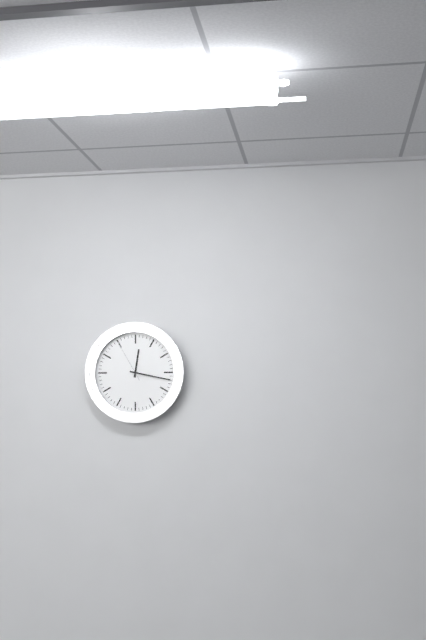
12:17
